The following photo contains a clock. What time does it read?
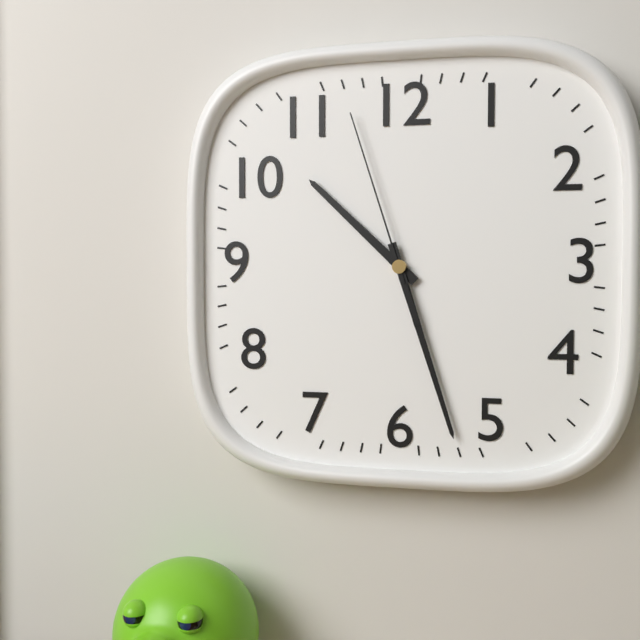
10:27:57
